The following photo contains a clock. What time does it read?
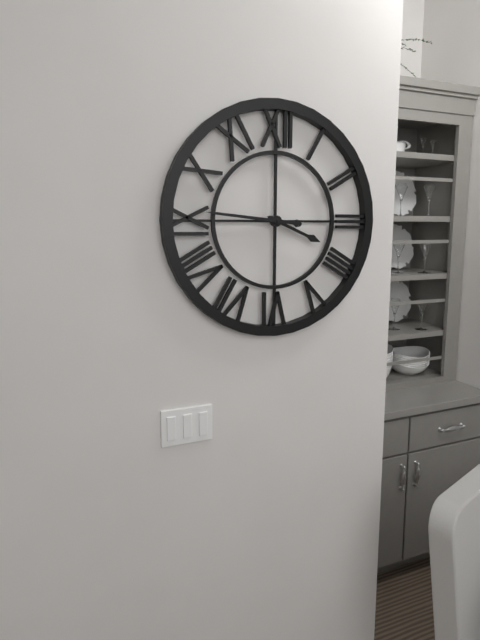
3:46
